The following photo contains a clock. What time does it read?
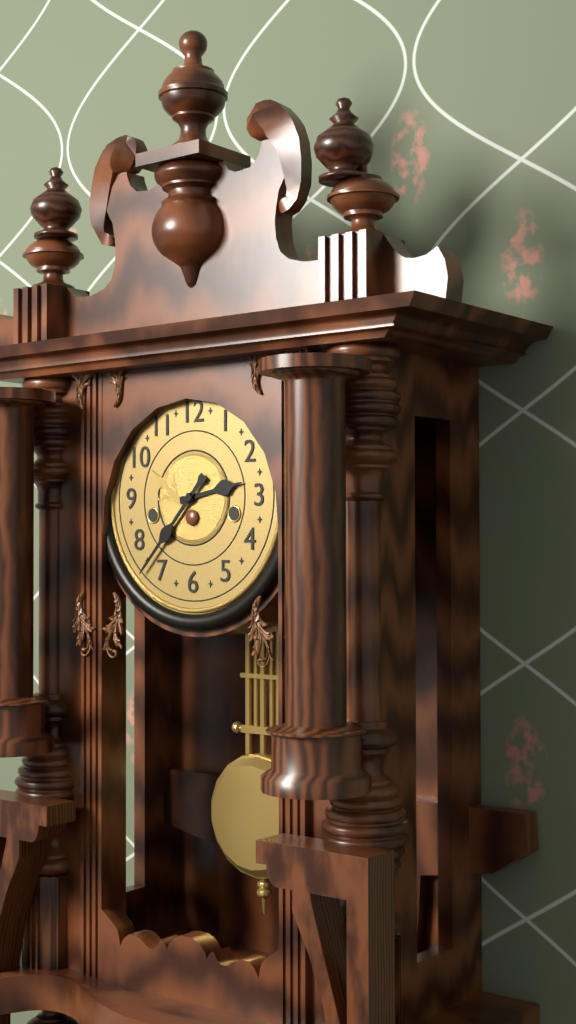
2:37
